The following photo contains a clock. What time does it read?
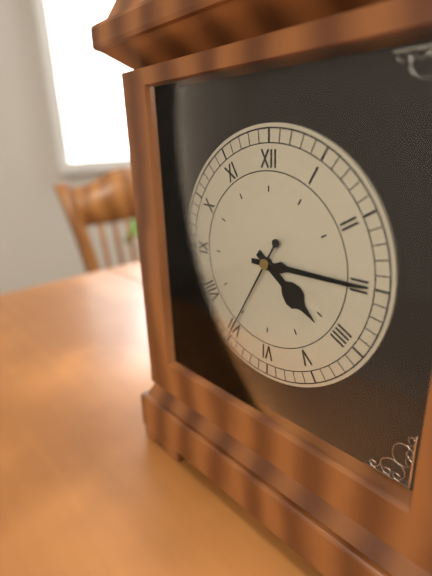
4:15:35
